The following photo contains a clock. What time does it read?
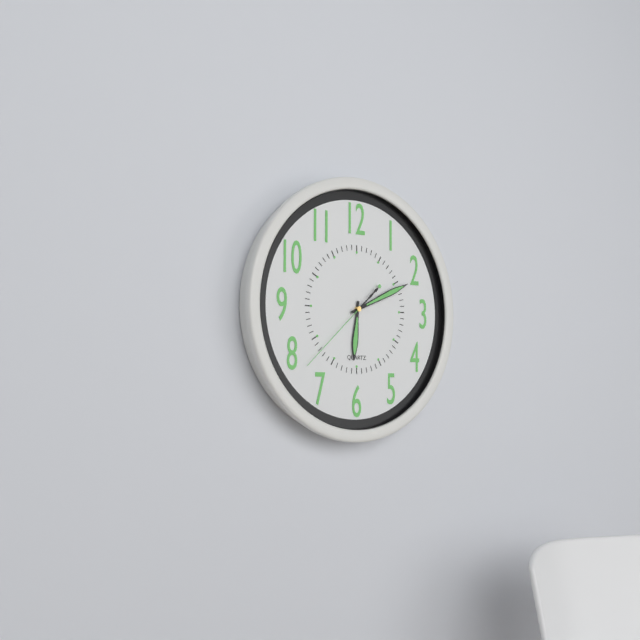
6:11:38
